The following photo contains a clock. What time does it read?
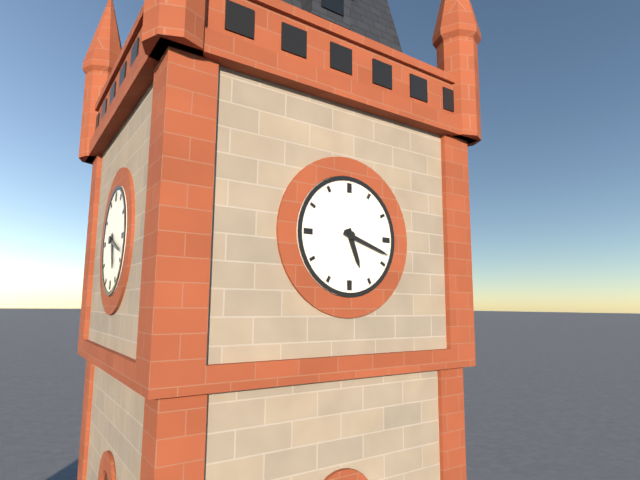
5:18
